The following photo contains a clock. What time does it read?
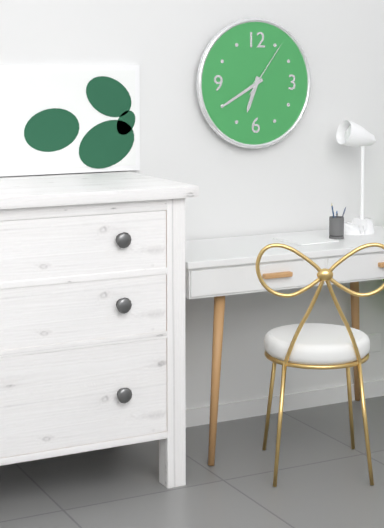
6:40:06
